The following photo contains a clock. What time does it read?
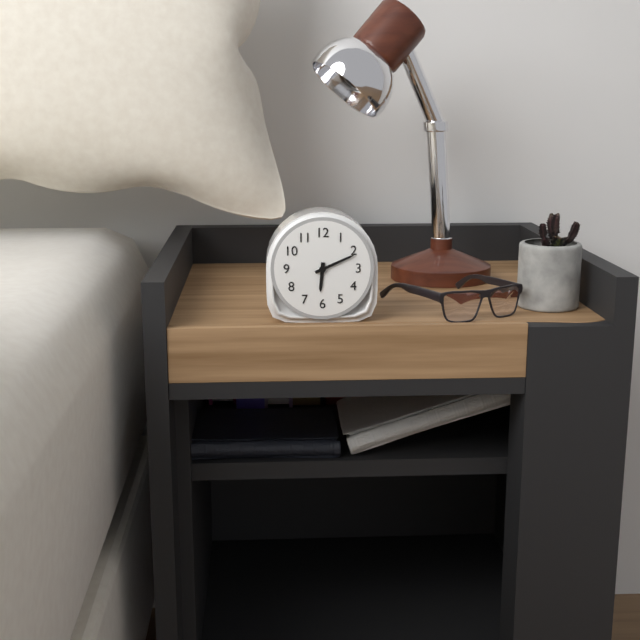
6:11
